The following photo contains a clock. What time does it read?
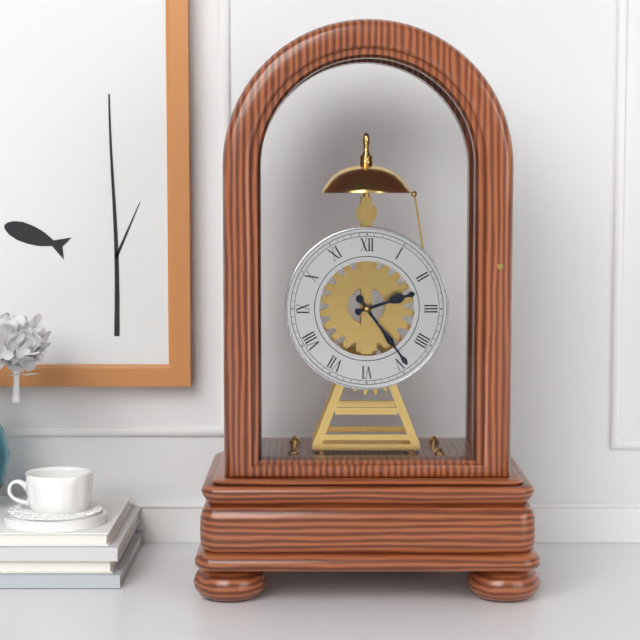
2:24
